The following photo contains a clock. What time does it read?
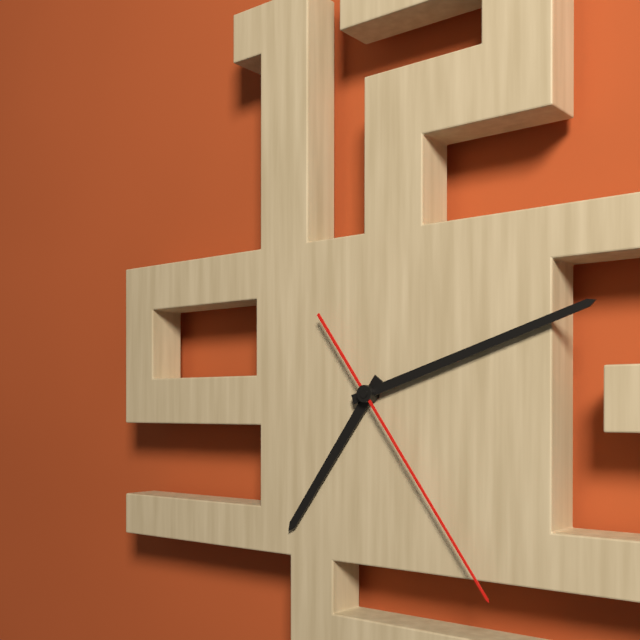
7:12:24
